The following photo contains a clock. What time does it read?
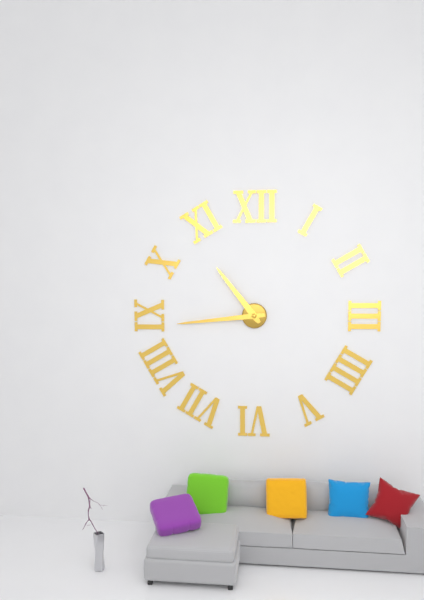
10:44
